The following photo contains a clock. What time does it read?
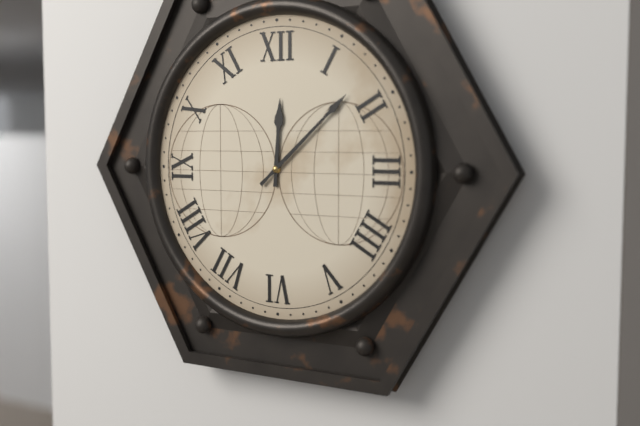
12:08
